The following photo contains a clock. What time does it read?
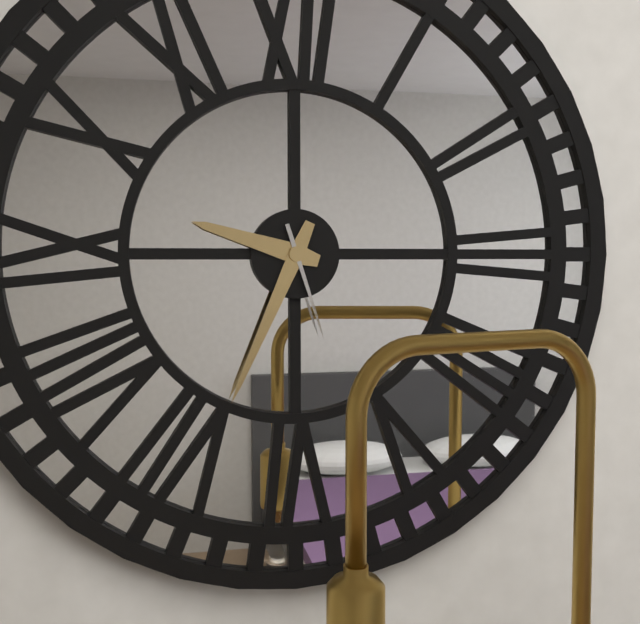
9:34:27
